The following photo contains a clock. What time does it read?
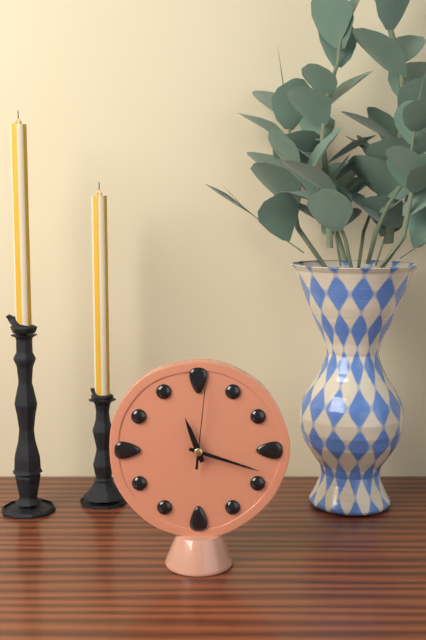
11:18:01
